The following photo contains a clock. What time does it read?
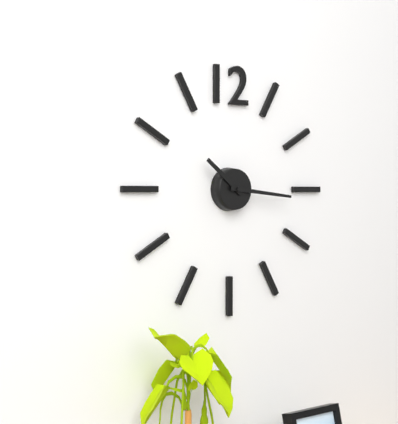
10:16
